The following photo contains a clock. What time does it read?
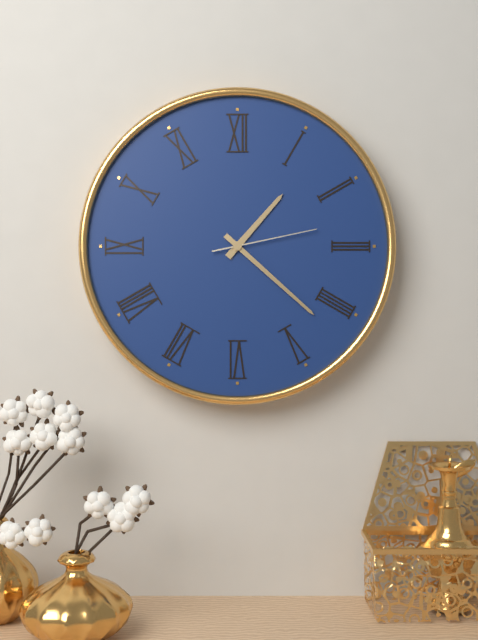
1:22:13
